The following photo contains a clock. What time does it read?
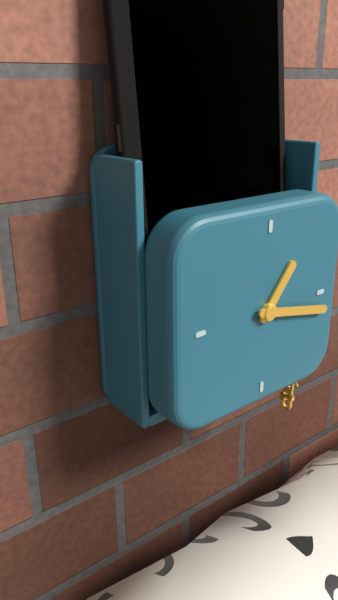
1:17
